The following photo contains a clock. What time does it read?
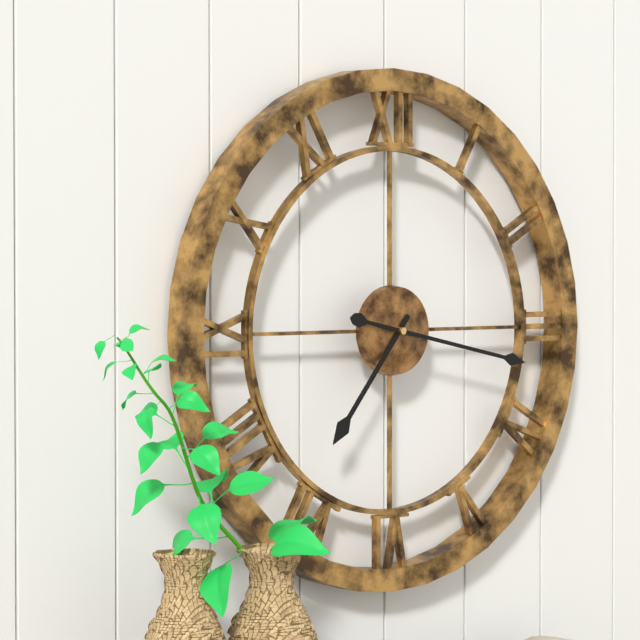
7:17
